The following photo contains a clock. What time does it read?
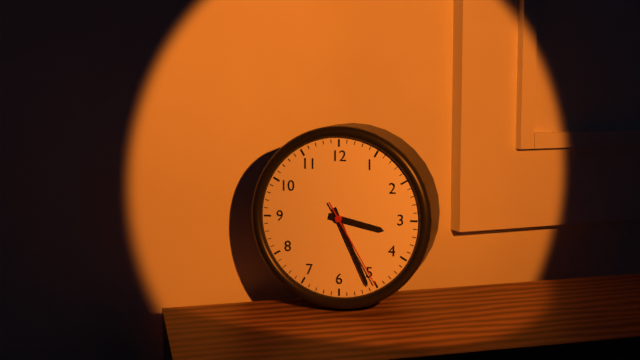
3:26:25
